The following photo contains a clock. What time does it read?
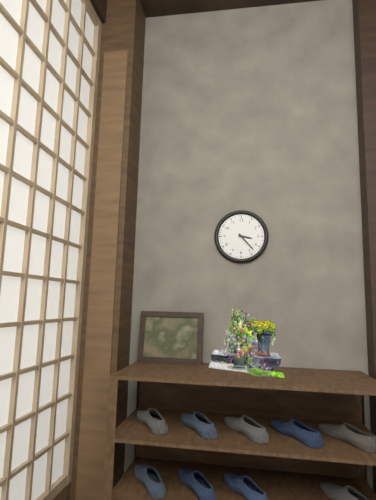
3:23
